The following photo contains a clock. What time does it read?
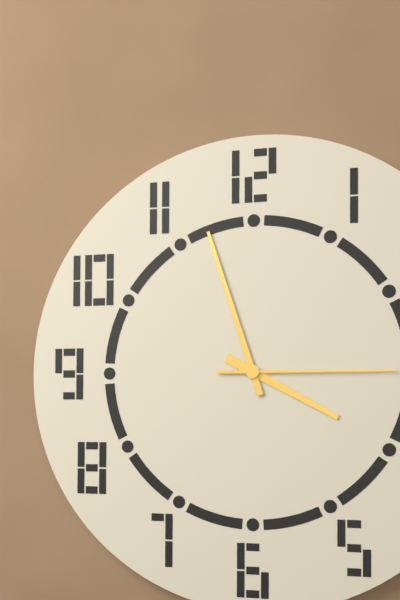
3:57:15
